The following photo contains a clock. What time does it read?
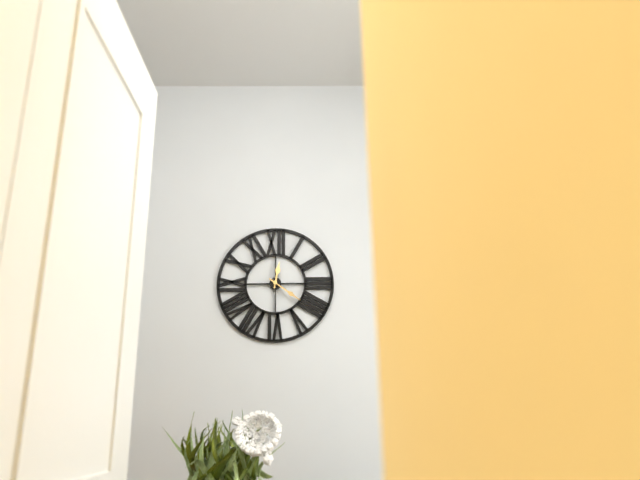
12:21
